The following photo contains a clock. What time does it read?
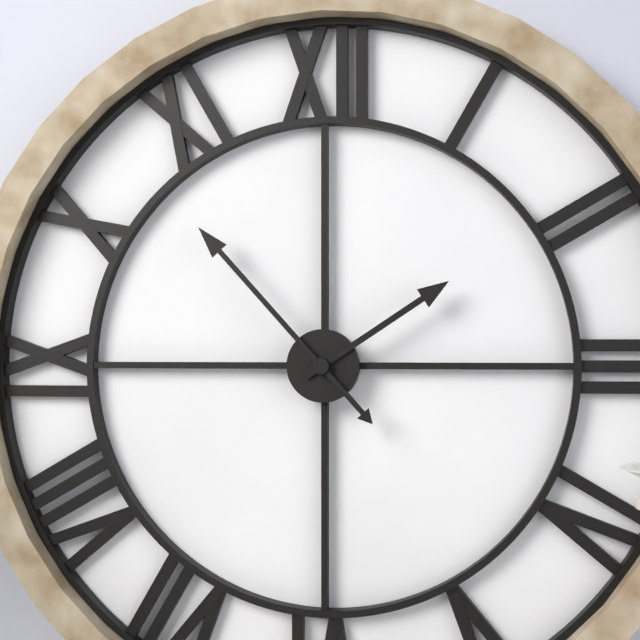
1:53
